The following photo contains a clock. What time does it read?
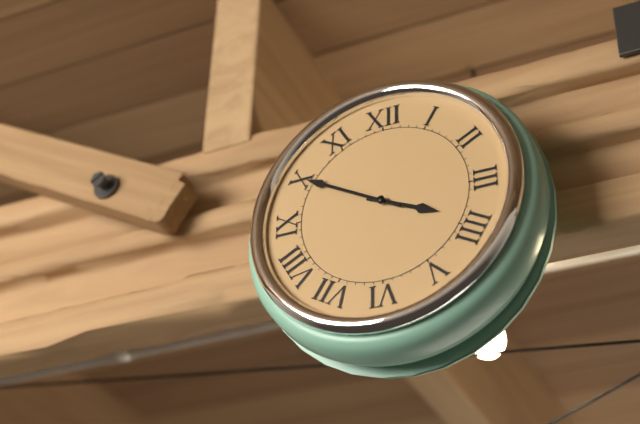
3:50
